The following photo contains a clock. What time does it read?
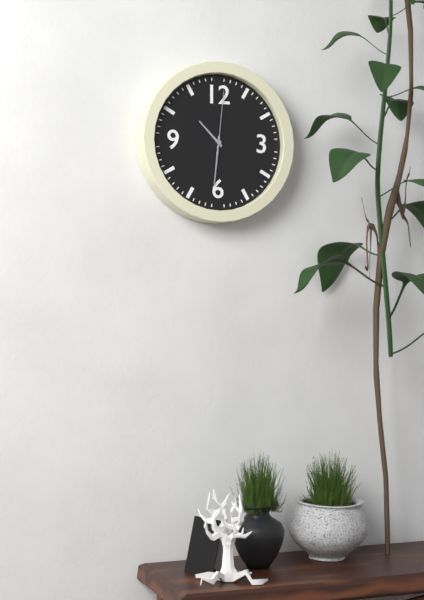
10:31:01
